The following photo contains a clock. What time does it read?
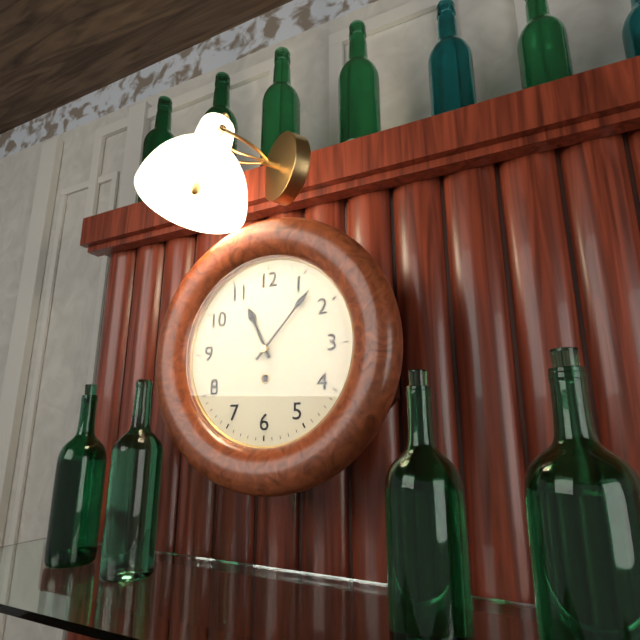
11:07
